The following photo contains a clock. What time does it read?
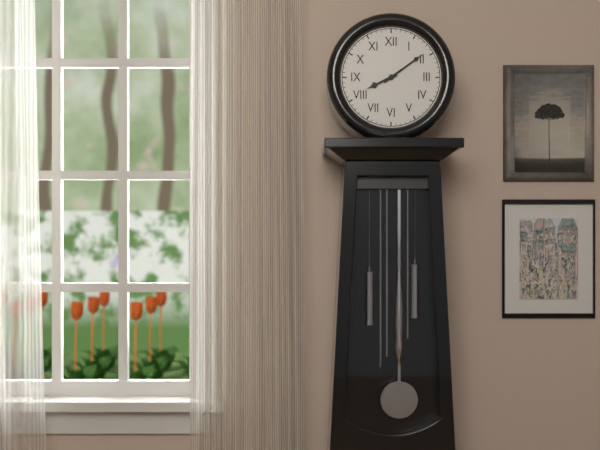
8:09
